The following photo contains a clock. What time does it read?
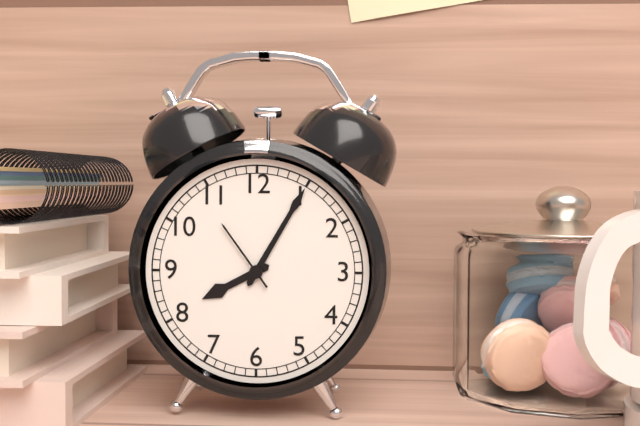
8:05:54
